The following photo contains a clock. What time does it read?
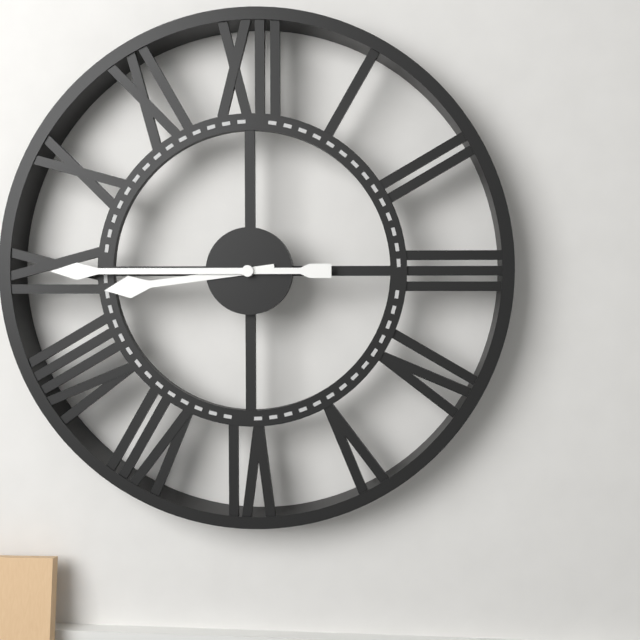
8:45
